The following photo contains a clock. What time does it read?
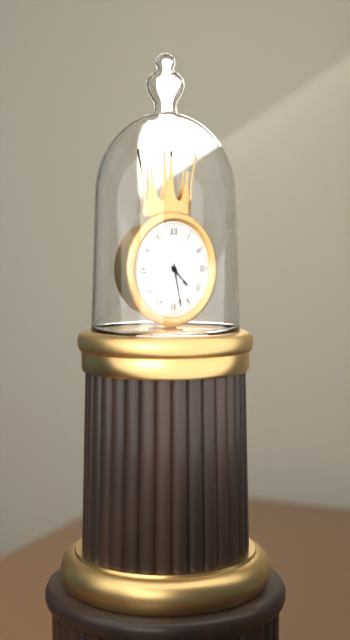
4:28
